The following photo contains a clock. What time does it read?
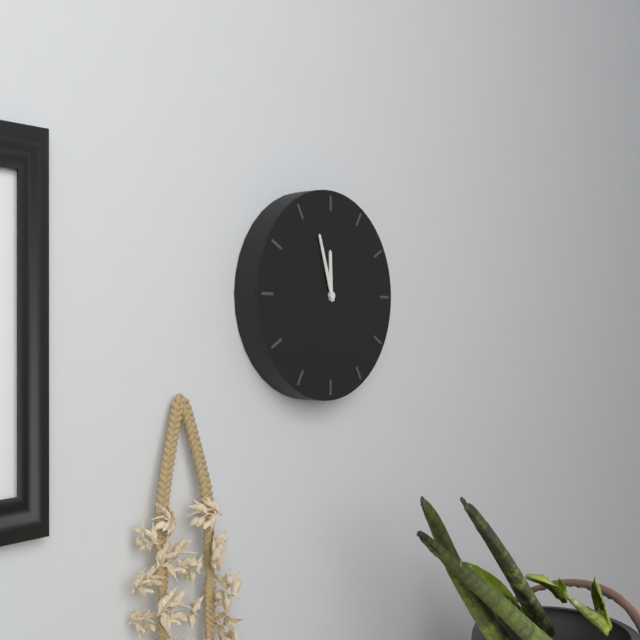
11:57
